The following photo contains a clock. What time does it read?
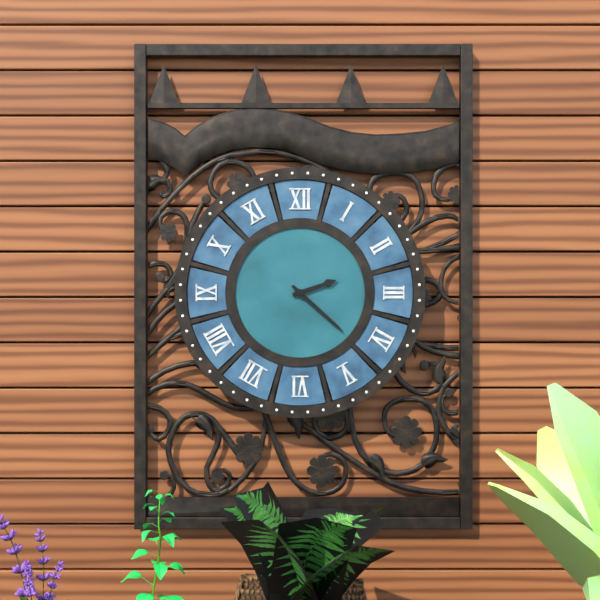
2:22
